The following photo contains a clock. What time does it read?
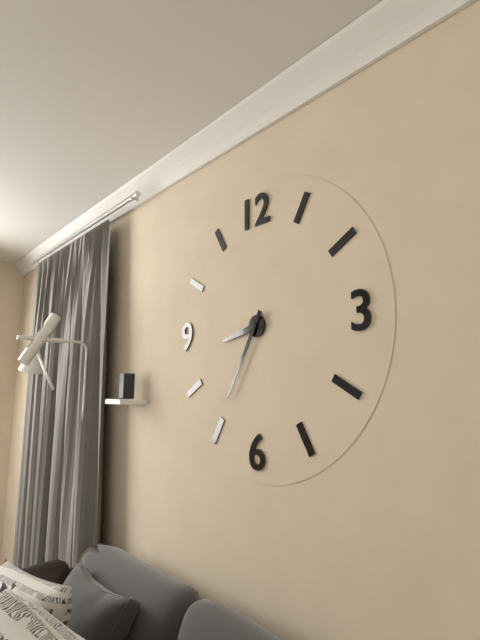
8:35
